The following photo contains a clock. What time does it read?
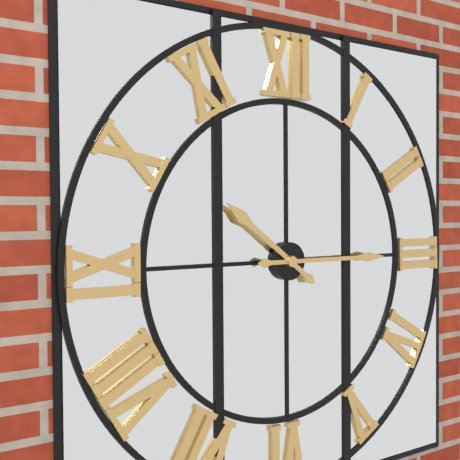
10:15
